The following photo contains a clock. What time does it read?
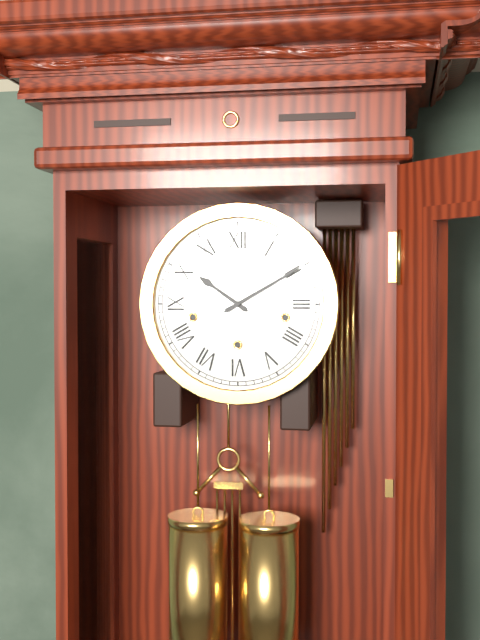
10:10
